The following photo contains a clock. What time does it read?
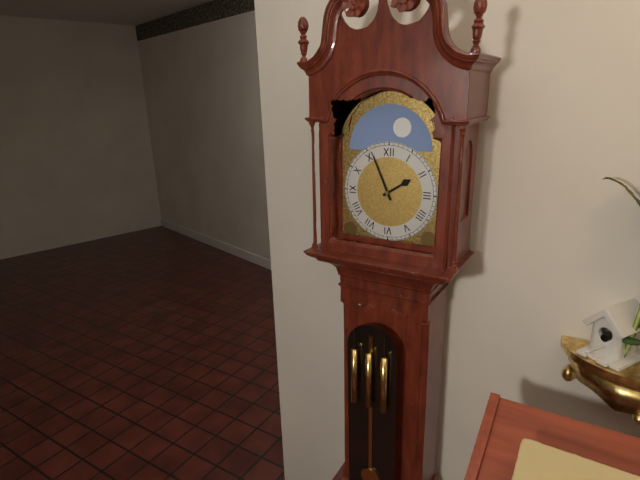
1:56
